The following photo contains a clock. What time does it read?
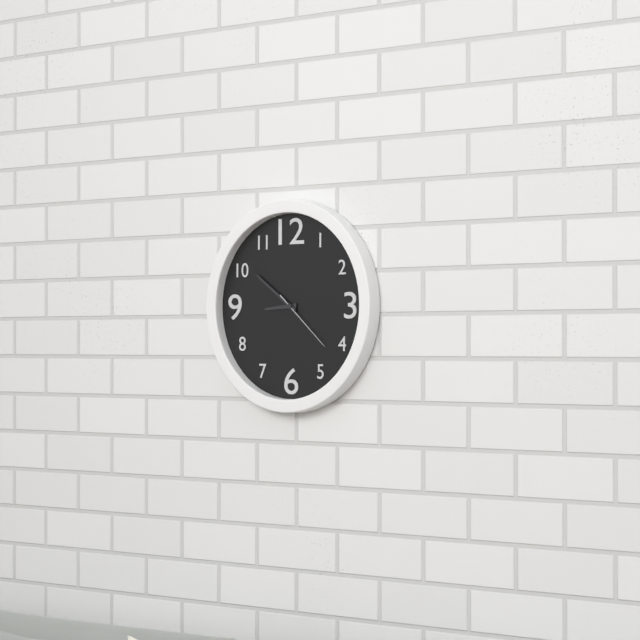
8:51:22
